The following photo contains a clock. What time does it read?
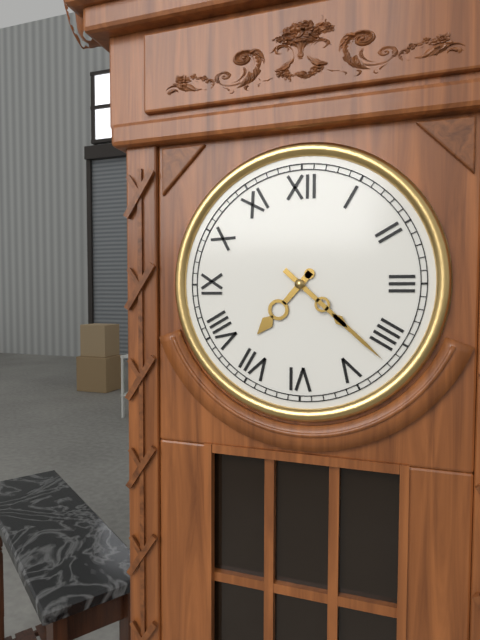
7:22
